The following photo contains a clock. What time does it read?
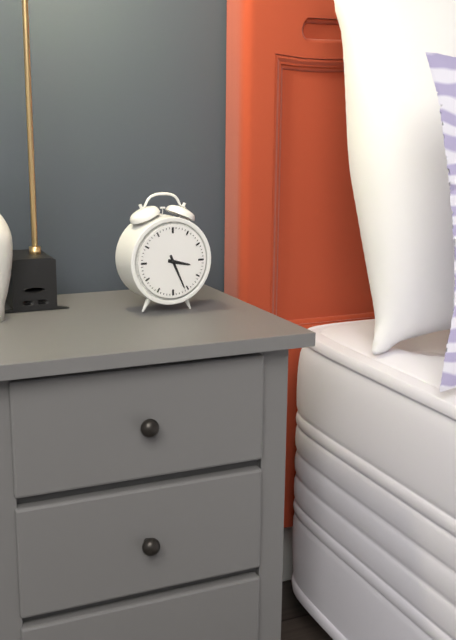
3:26
